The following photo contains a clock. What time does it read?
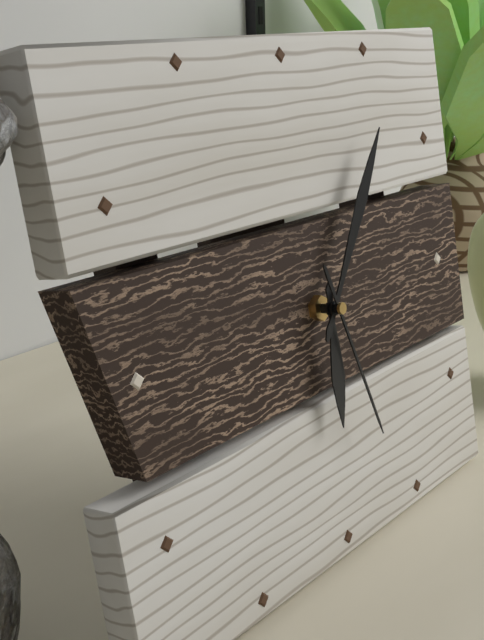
6:06:27
